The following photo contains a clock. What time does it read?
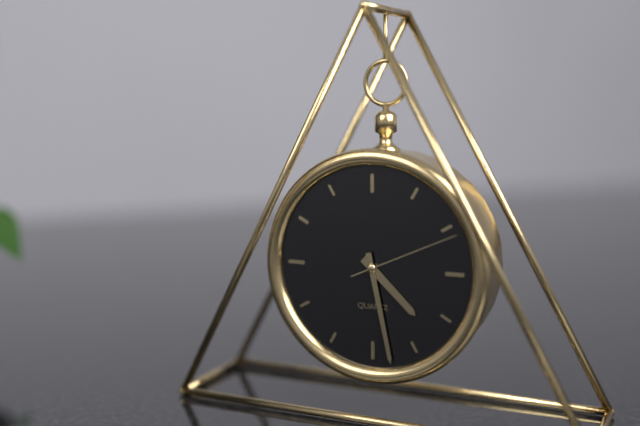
4:28:11
